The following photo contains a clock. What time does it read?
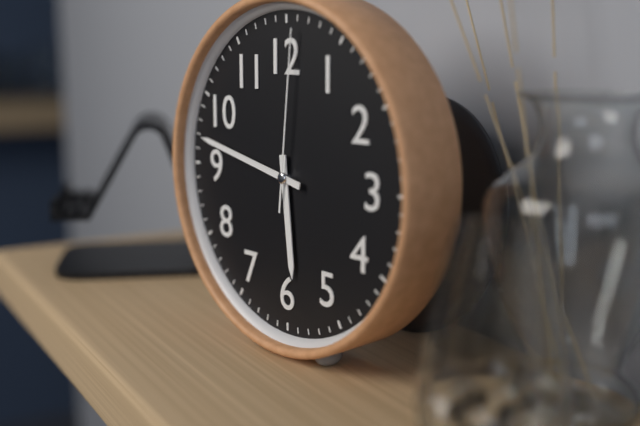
5:47:01
